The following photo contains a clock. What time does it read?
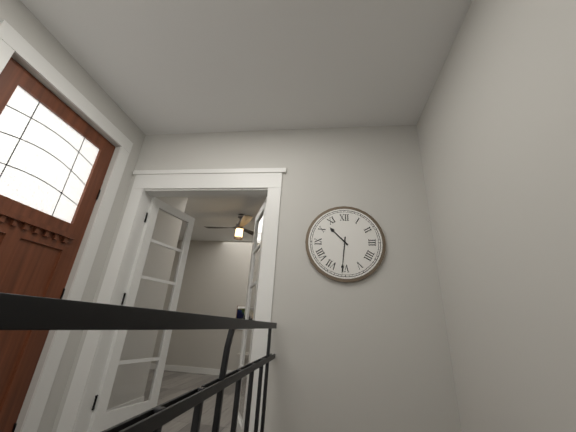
10:31
